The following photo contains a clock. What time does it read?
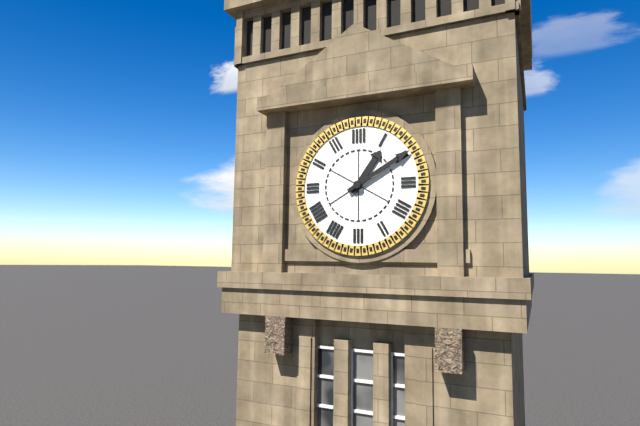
1:10
